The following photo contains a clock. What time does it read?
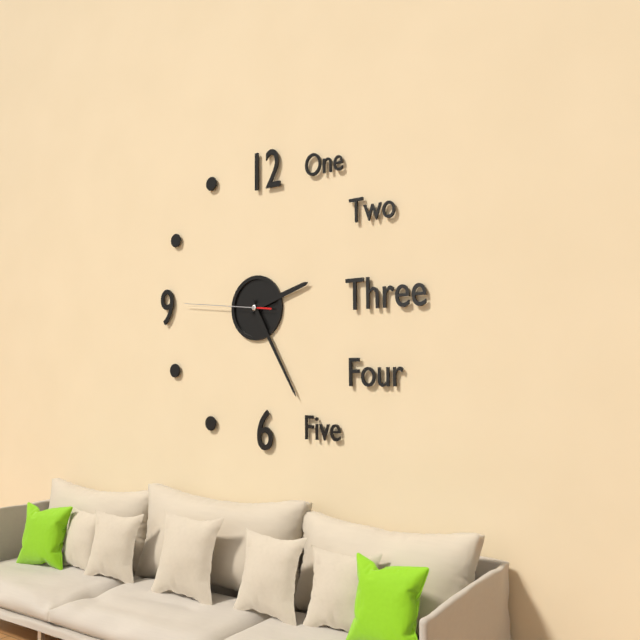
2:25:46
